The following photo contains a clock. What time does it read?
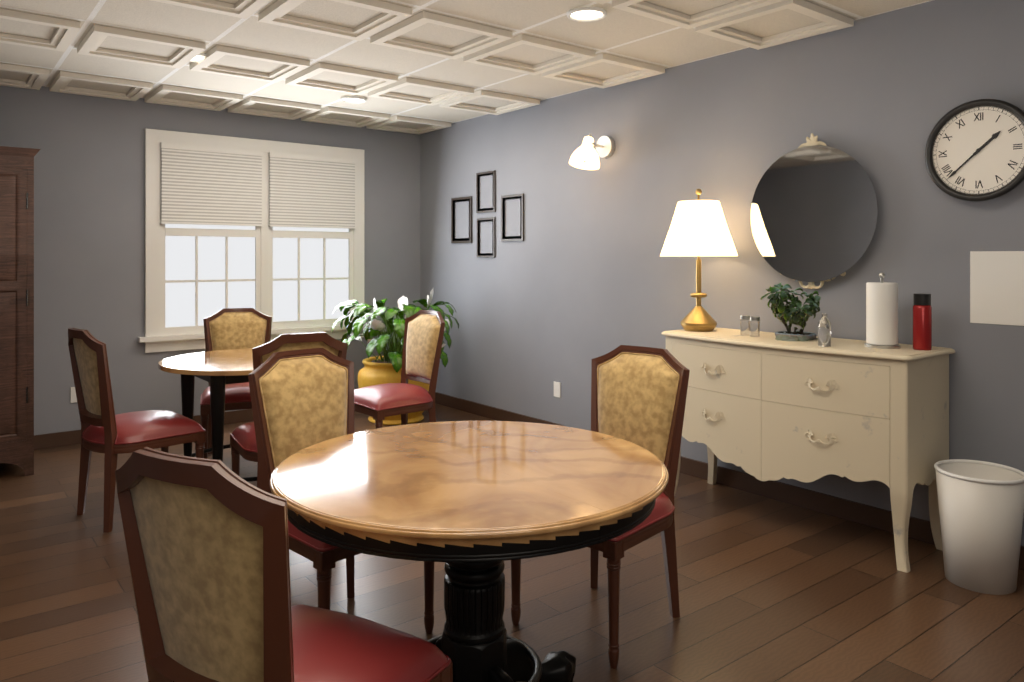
1:38
